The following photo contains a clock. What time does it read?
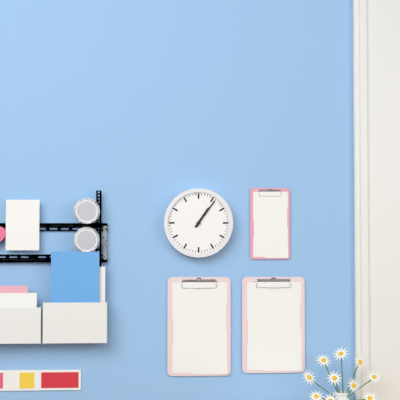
1:06
